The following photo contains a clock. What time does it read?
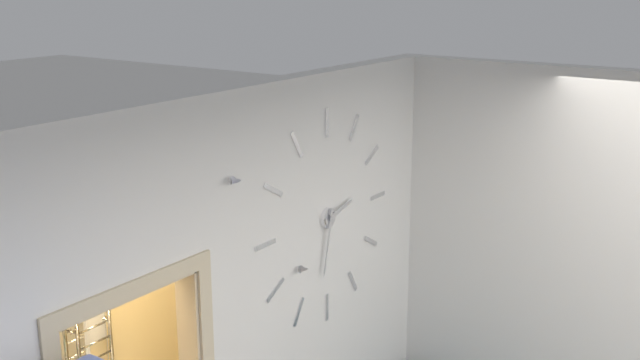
2:32
